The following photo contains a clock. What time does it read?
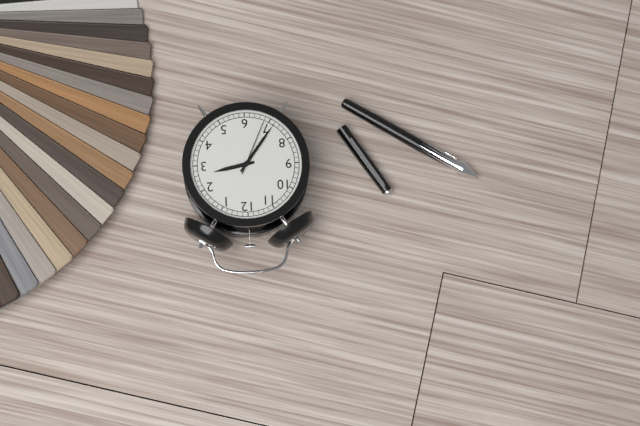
2:36:34
